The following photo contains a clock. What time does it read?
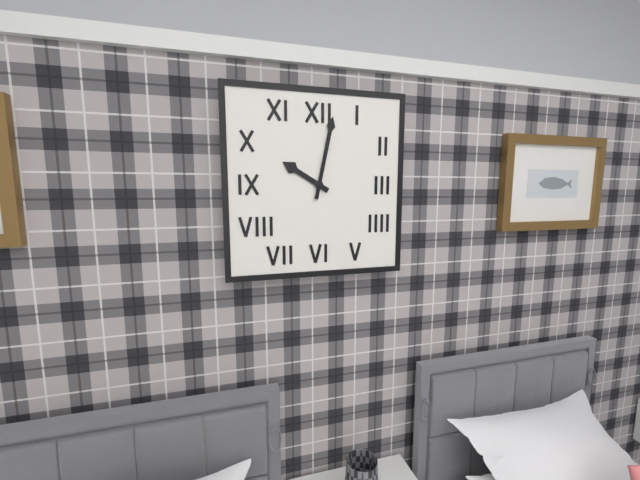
10:02
